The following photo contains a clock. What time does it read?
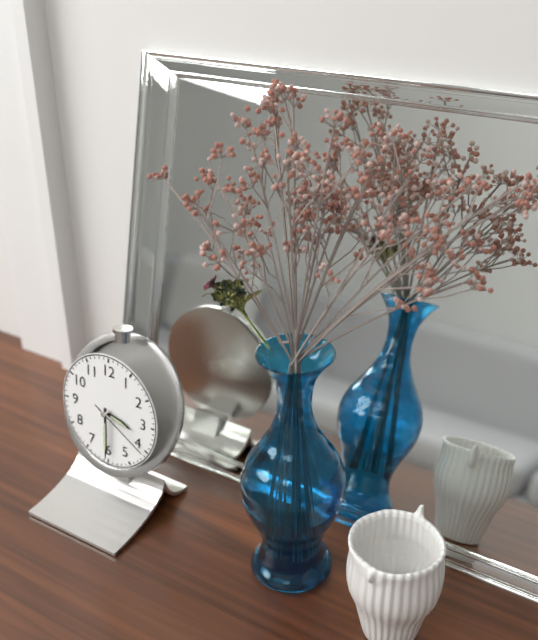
3:30:20
